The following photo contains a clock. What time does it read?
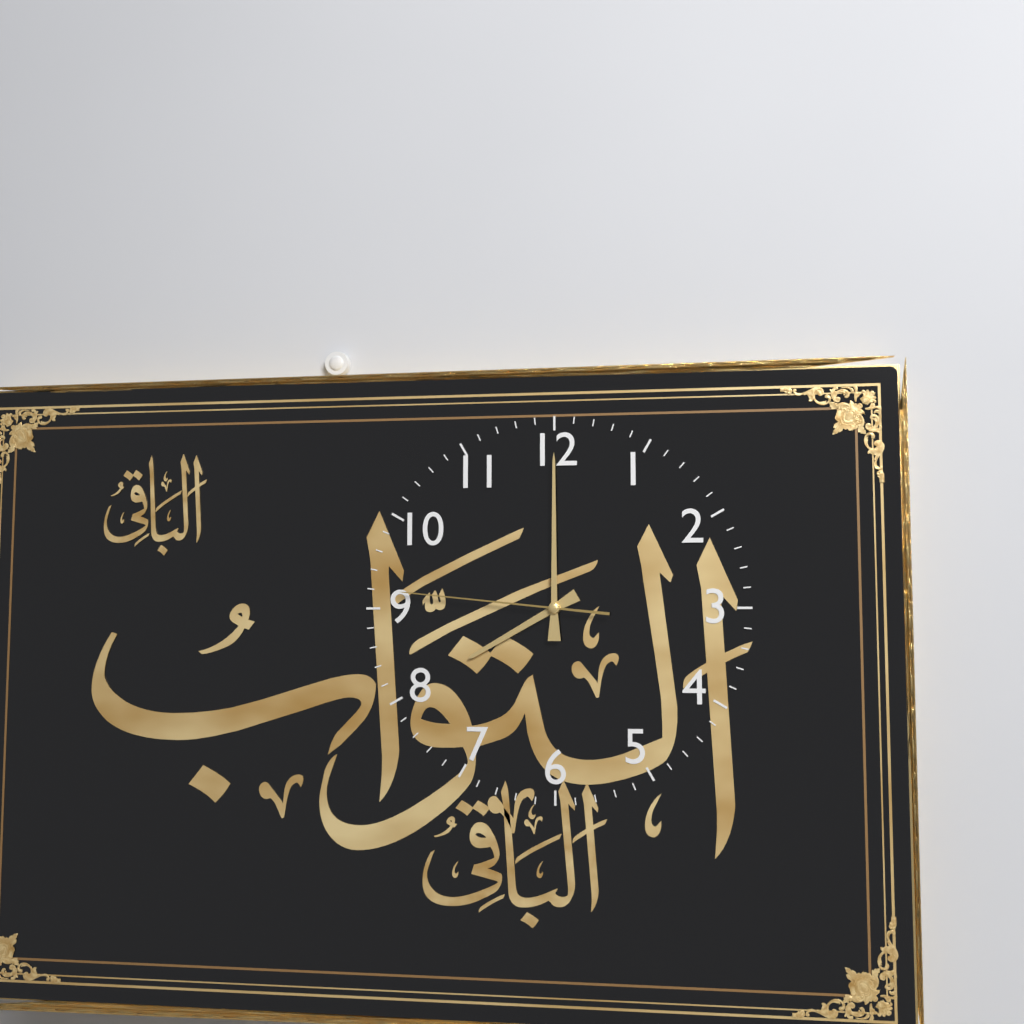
8:00:46
